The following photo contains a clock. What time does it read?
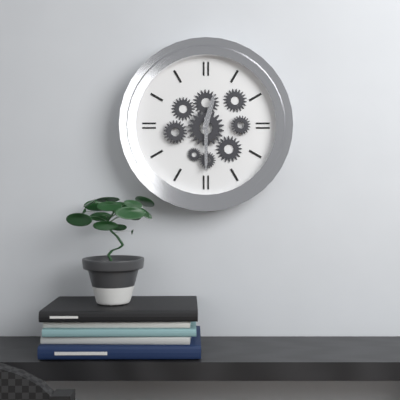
12:30
